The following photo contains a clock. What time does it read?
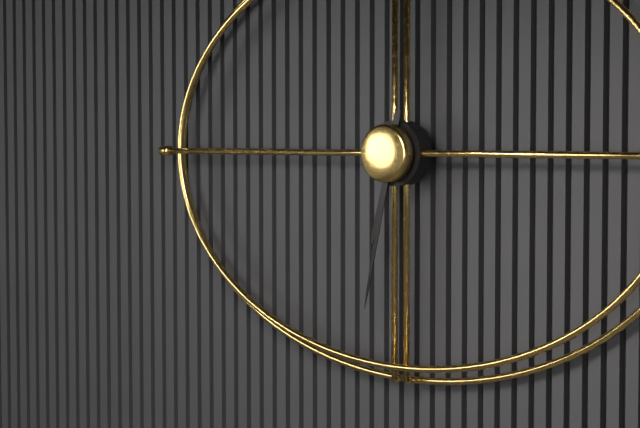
6:32
